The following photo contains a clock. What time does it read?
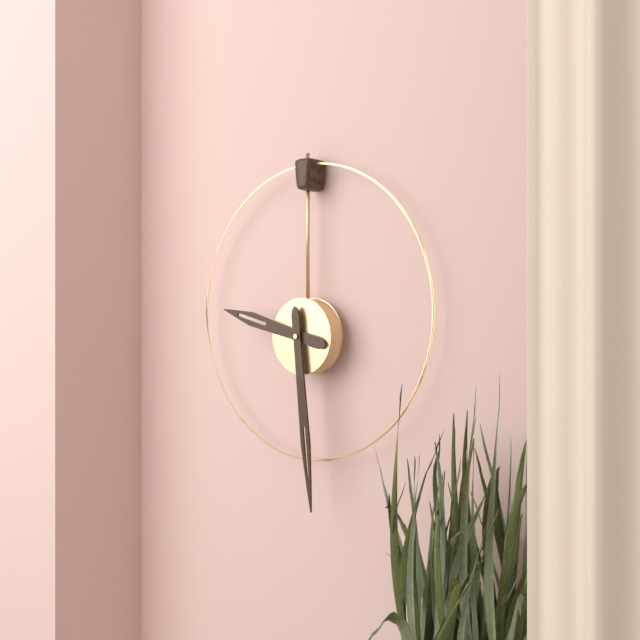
9:29
